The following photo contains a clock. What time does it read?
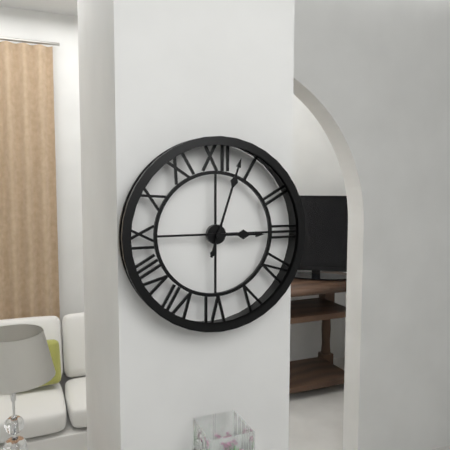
3:03
